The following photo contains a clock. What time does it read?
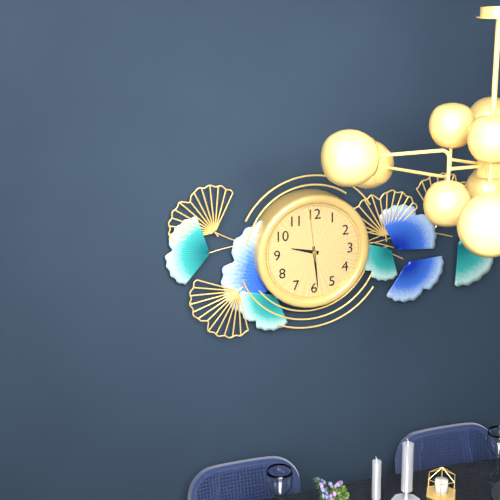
9:29:59
